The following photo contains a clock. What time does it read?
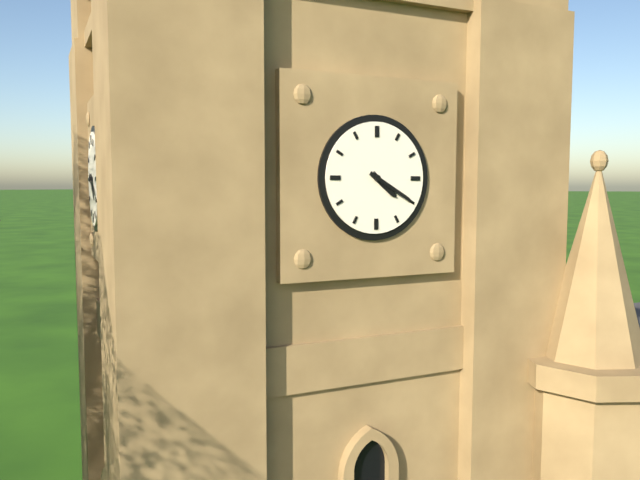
4:20
